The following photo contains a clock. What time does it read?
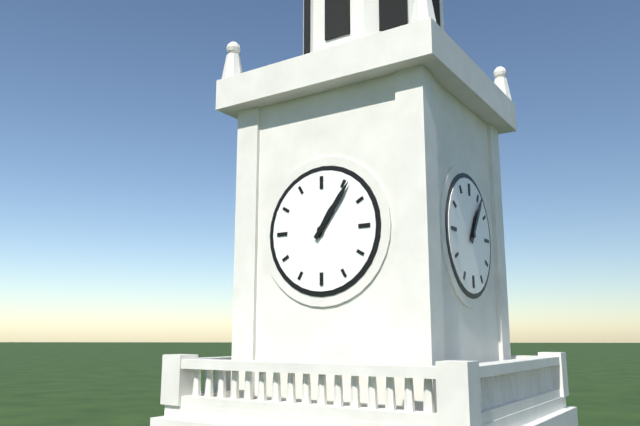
1:06
